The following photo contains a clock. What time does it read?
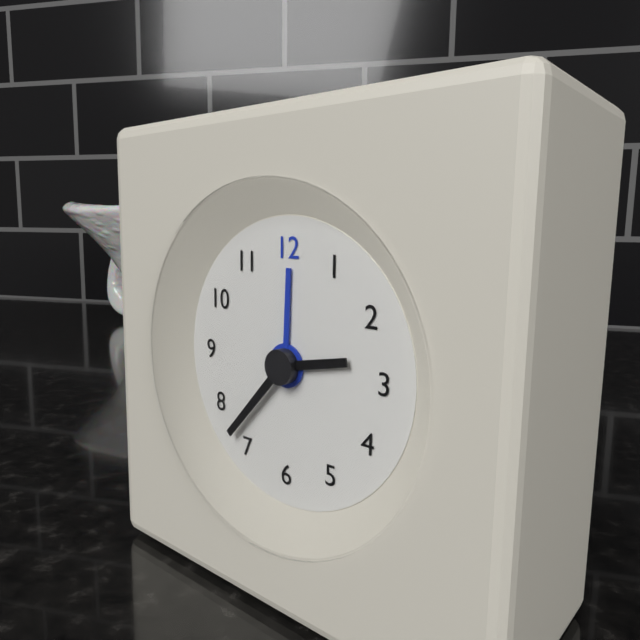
2:37
